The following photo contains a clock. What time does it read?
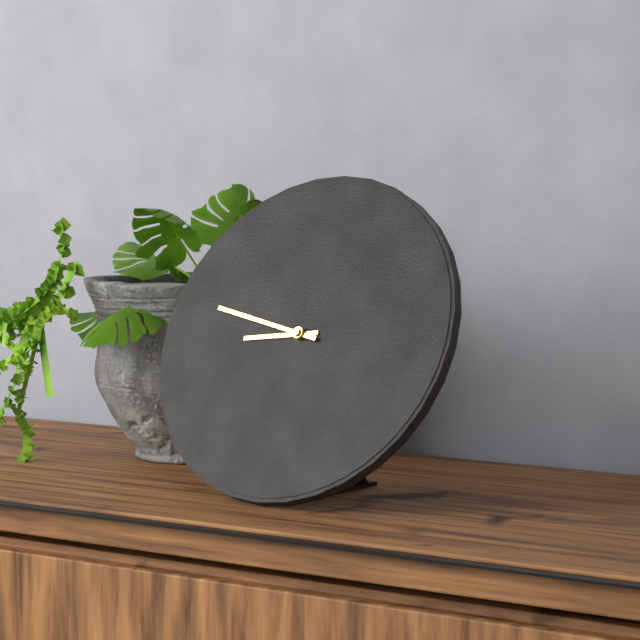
8:47
